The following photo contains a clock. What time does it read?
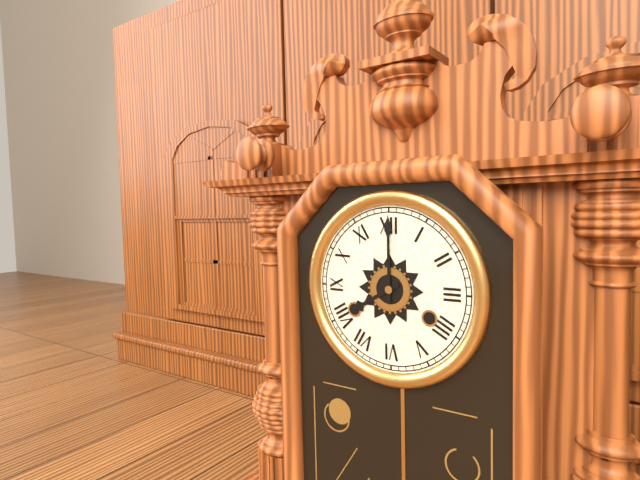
8:00
